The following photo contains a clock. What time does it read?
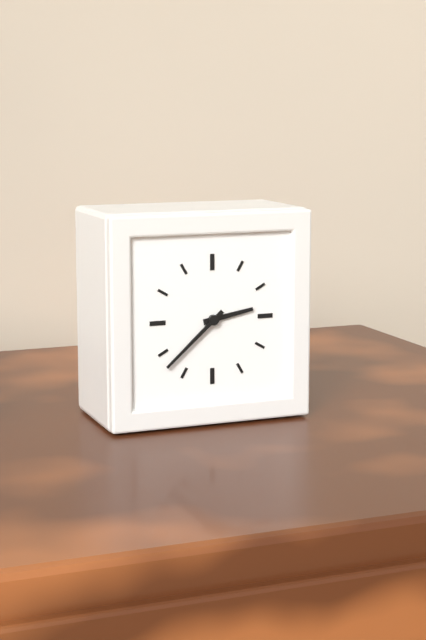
2:38
